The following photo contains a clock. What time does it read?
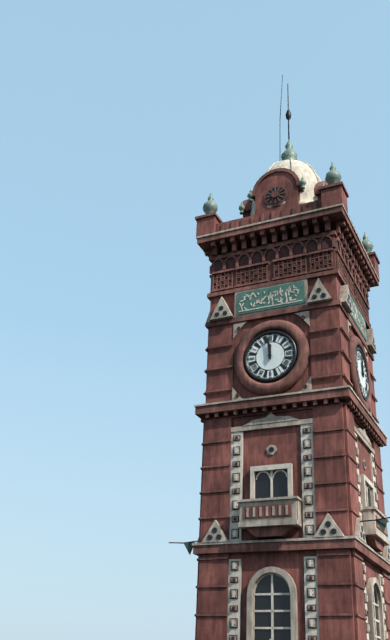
11:59
